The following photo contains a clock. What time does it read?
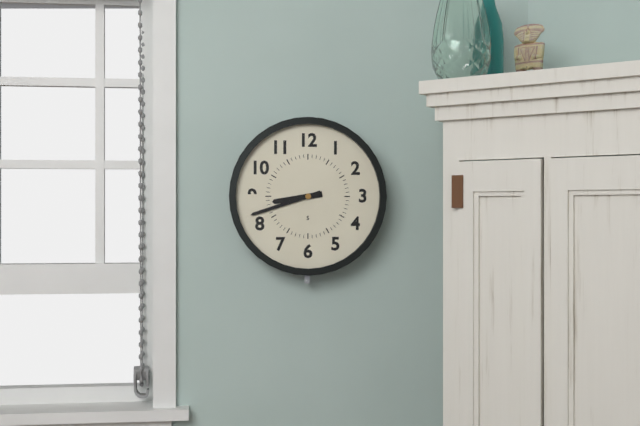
8:42
